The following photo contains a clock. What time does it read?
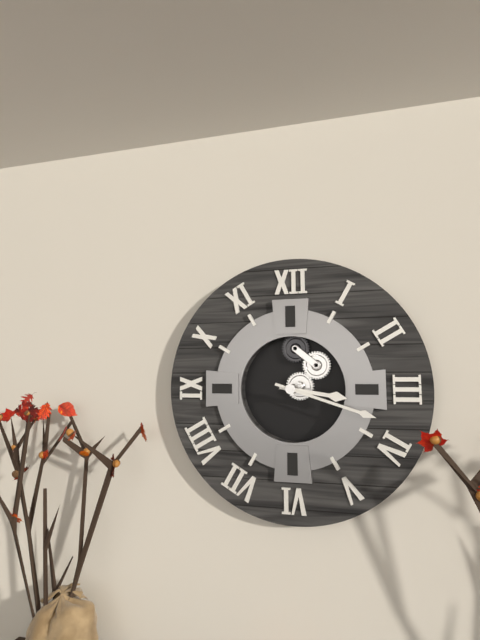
3:18
